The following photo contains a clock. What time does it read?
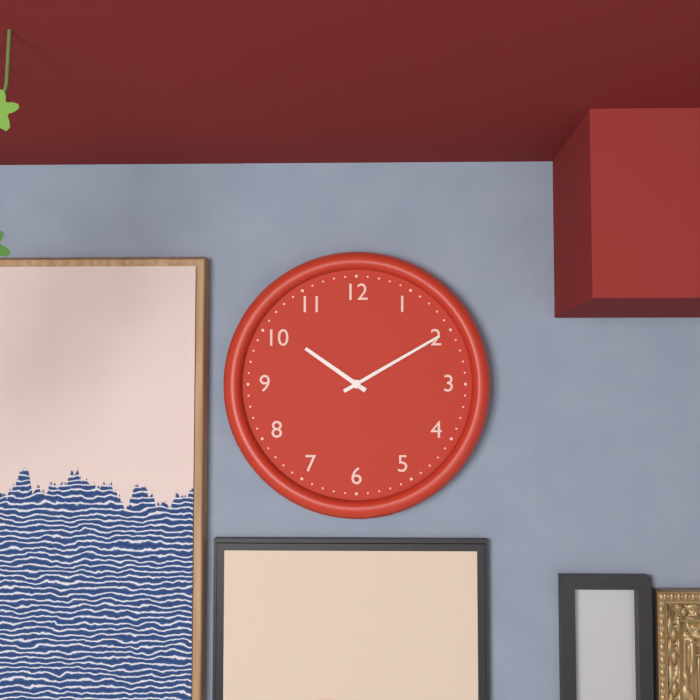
10:10
